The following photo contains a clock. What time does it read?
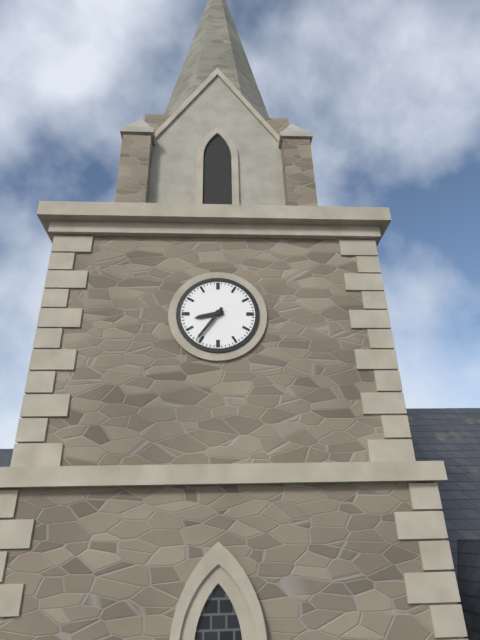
8:36
